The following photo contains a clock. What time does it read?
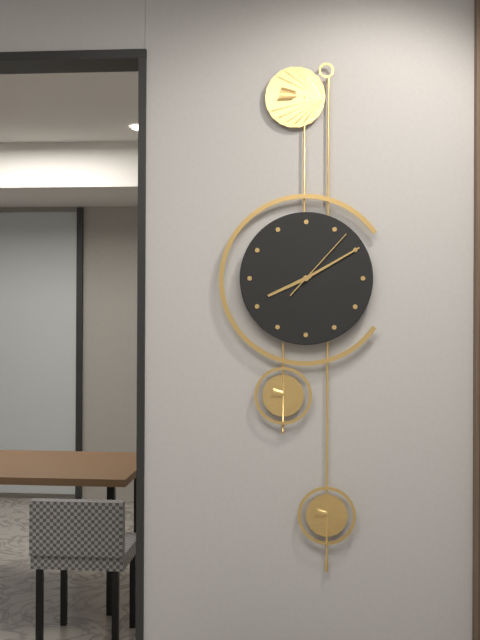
8:10:07
